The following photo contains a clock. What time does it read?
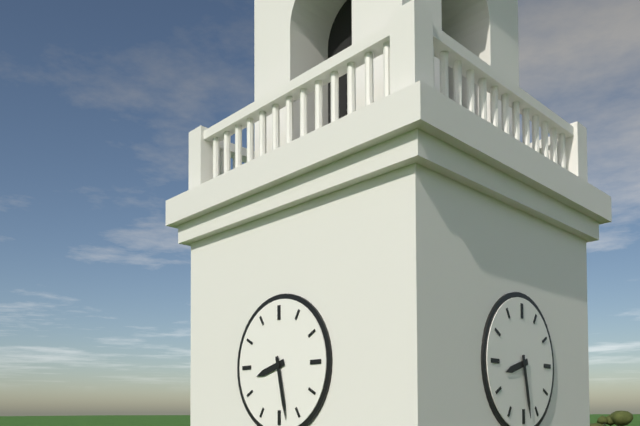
8:28
